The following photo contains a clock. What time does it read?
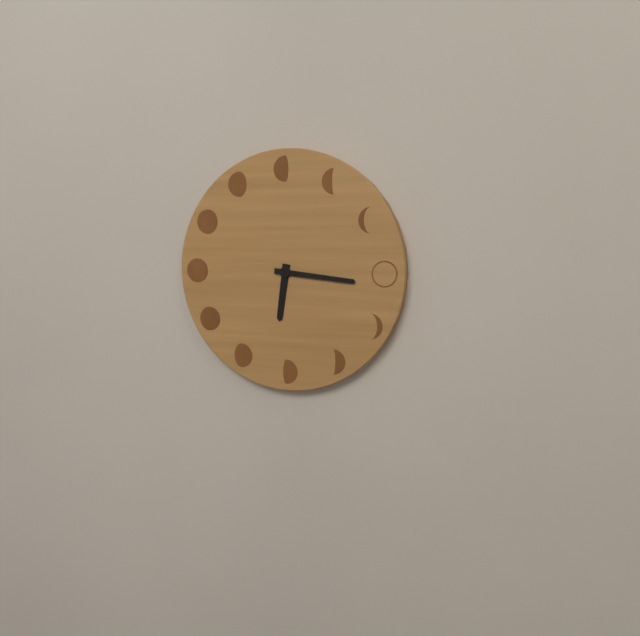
6:16
